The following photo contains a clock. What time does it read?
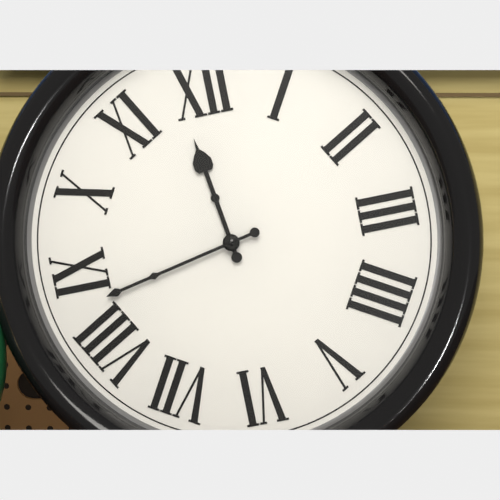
11:43
